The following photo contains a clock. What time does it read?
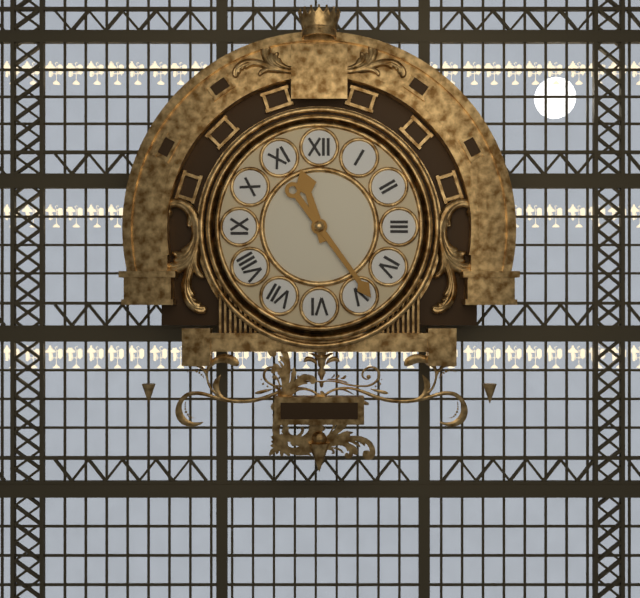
11:24
